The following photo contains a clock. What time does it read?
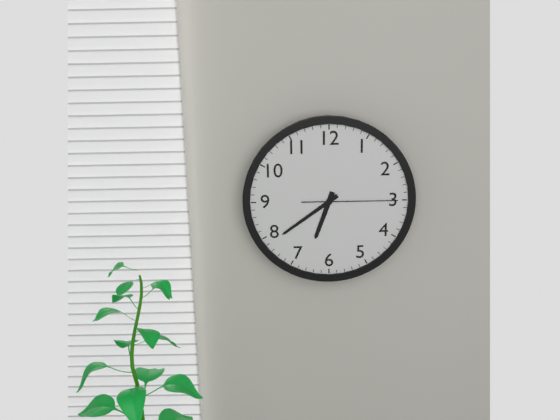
6:39:15
